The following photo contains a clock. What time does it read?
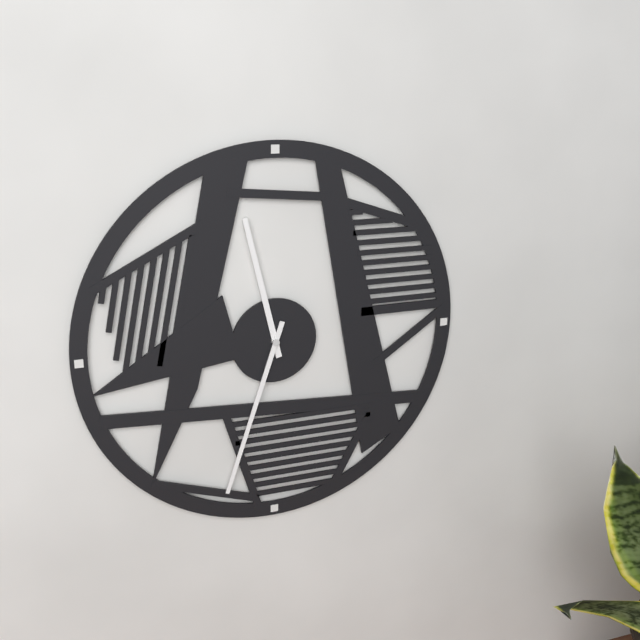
11:33
